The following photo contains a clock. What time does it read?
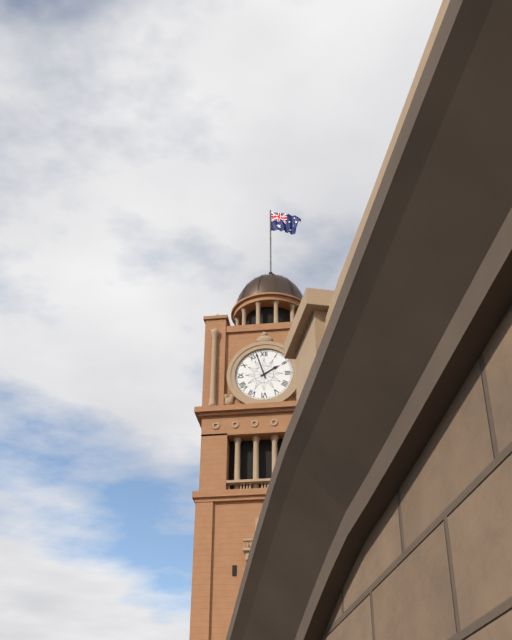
1:57
